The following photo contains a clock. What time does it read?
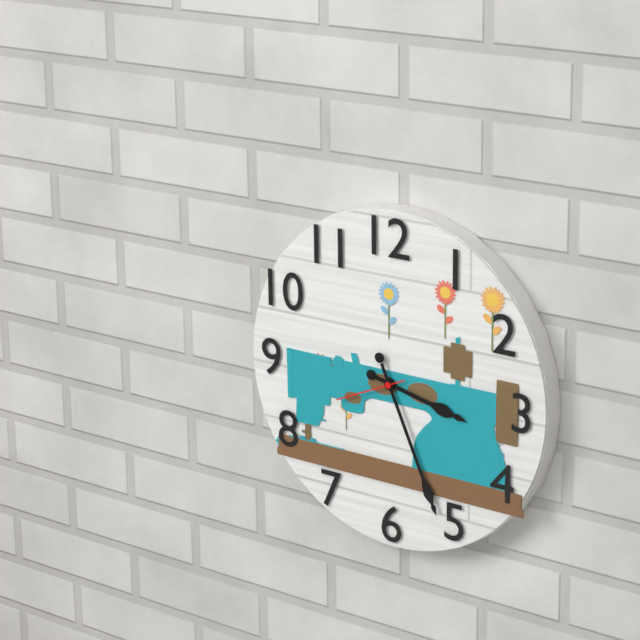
3:26:41
